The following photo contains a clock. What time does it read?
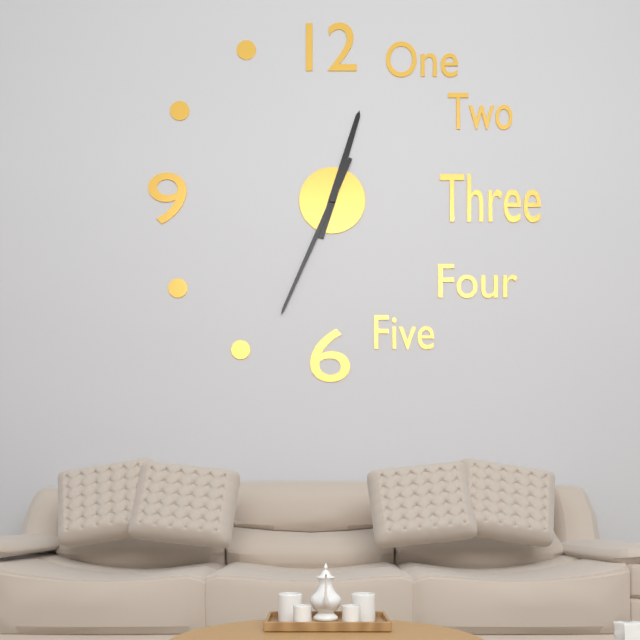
12:34
